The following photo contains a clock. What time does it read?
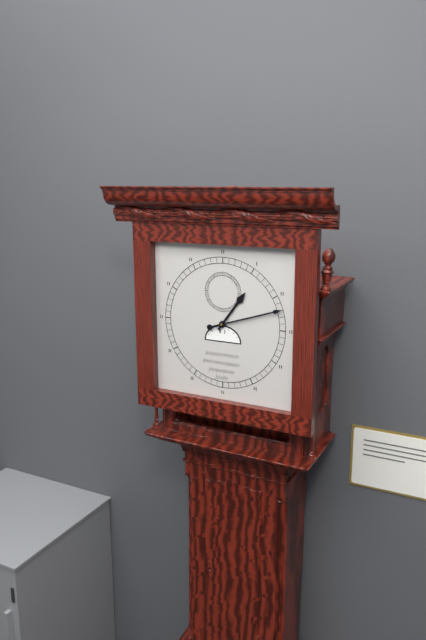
1:12
